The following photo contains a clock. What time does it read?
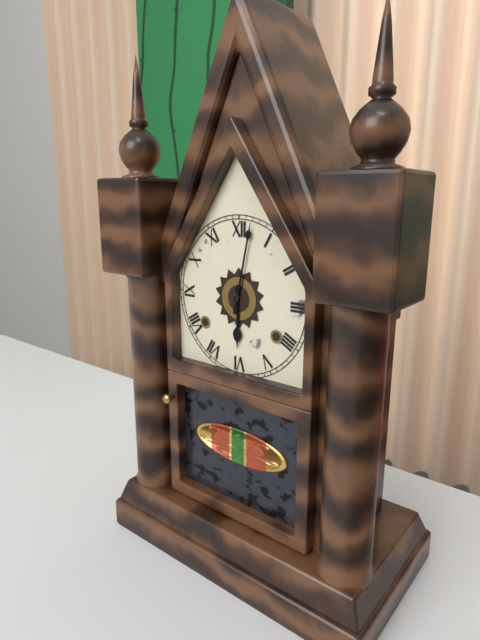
6:02
